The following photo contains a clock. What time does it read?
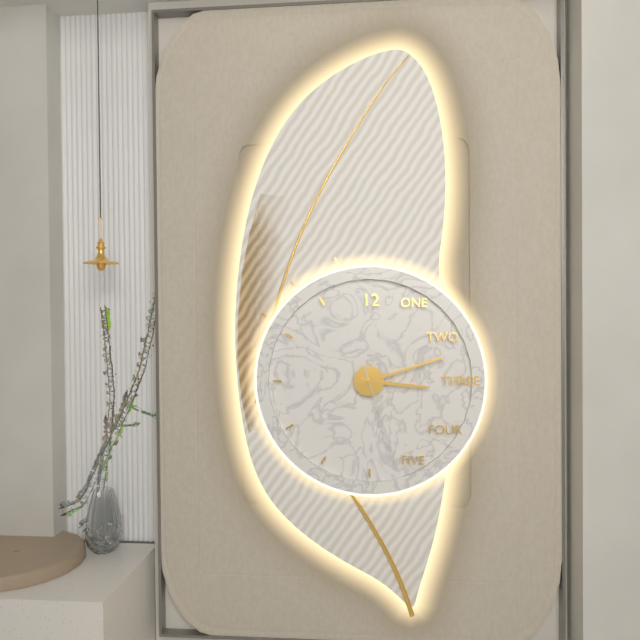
3:12:27
